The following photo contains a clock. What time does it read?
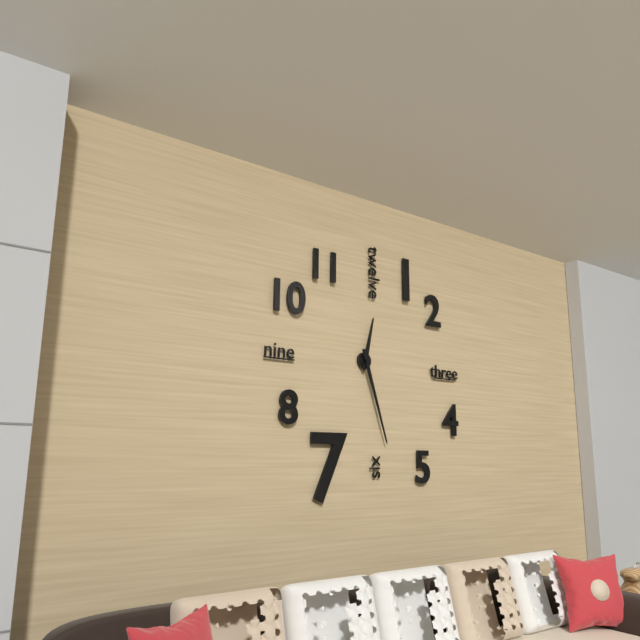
12:27
